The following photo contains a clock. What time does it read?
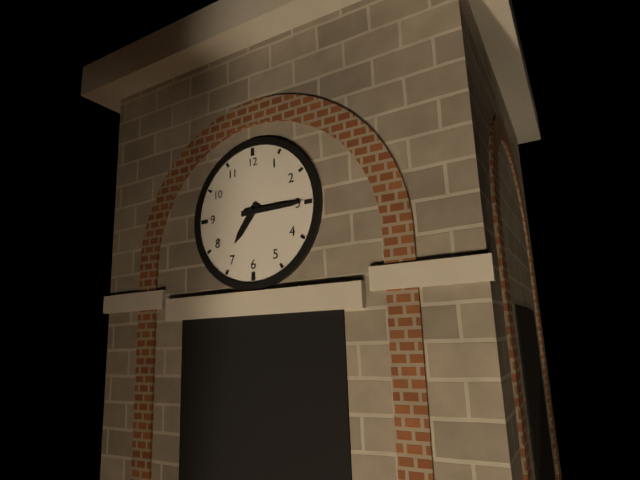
7:15
